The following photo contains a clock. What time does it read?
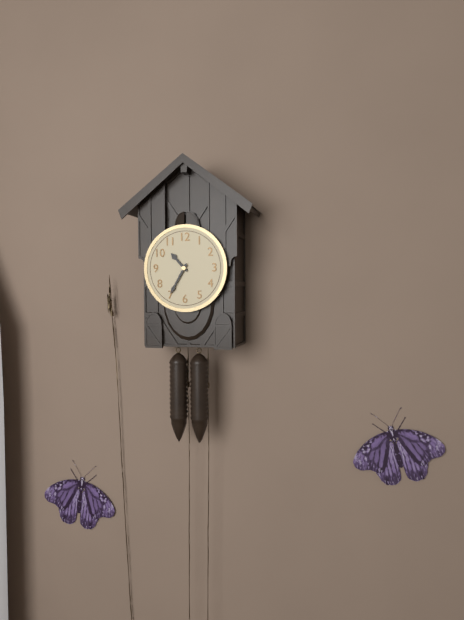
10:35
